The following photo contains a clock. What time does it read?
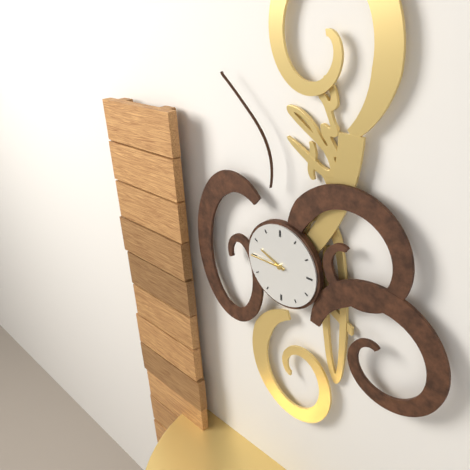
9:45
